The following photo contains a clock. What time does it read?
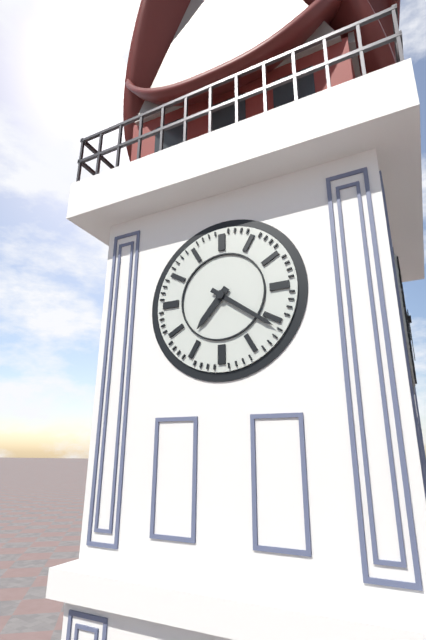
7:21
